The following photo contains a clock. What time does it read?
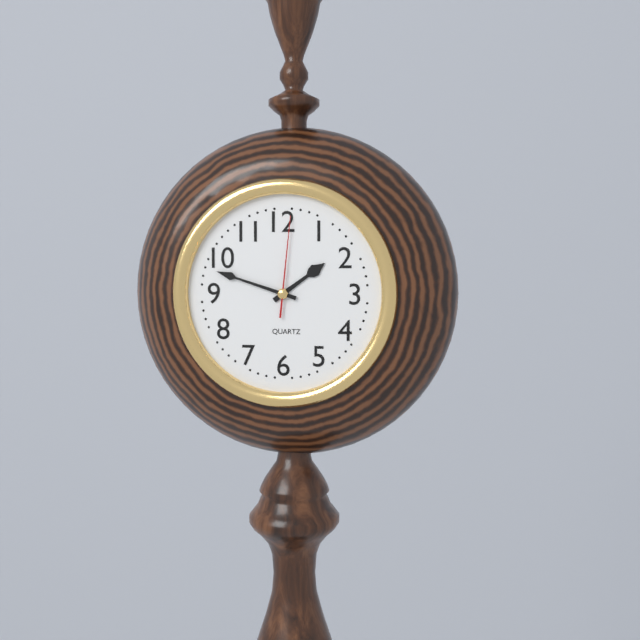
1:48:01
